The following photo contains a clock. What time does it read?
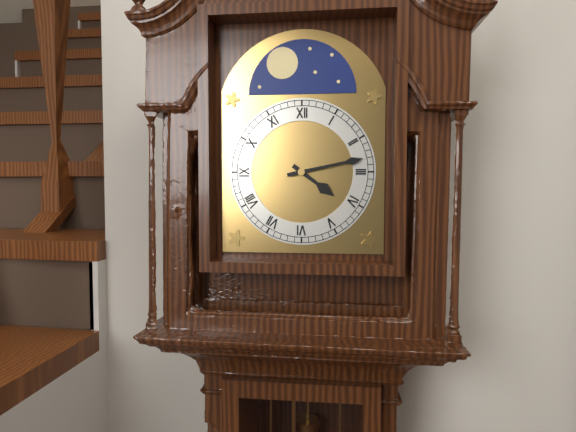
4:13
